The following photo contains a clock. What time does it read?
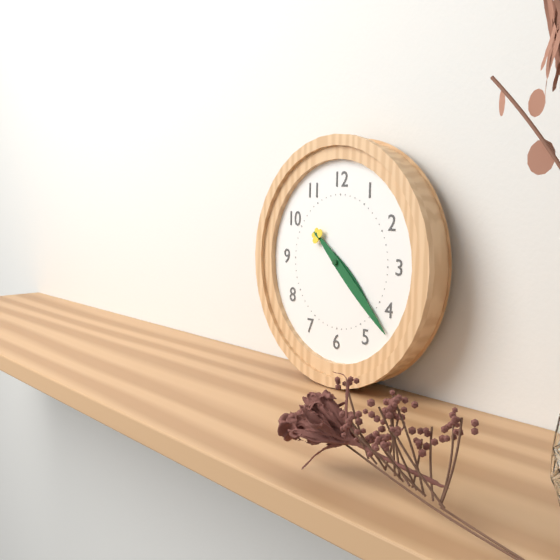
4:22
